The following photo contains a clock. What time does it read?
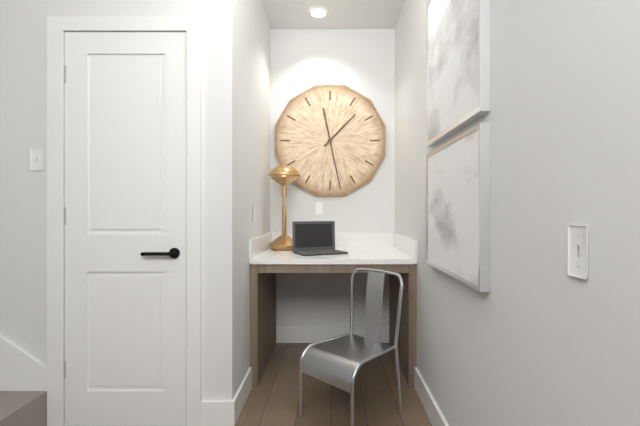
1:28
